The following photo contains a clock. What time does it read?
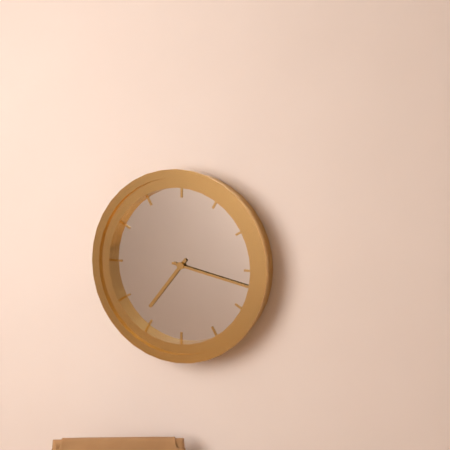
7:17
